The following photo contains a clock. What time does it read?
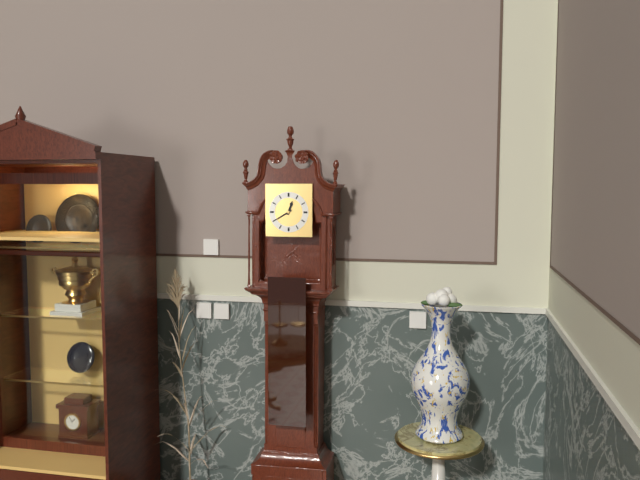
12:40
